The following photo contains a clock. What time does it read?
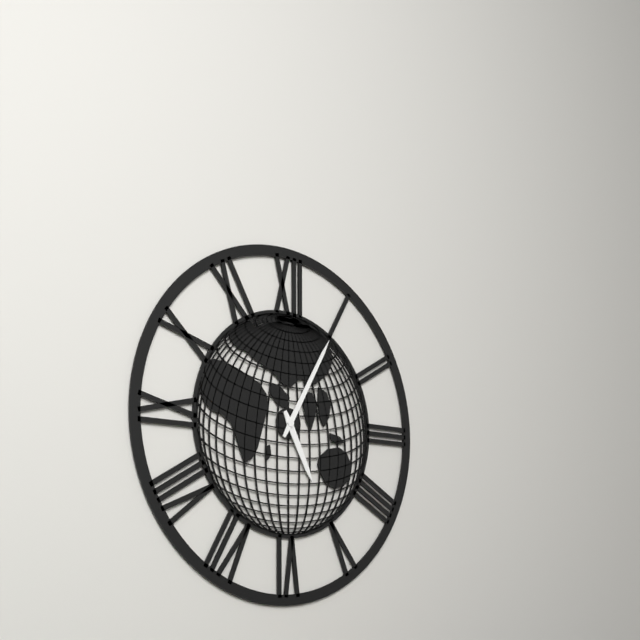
5:05
